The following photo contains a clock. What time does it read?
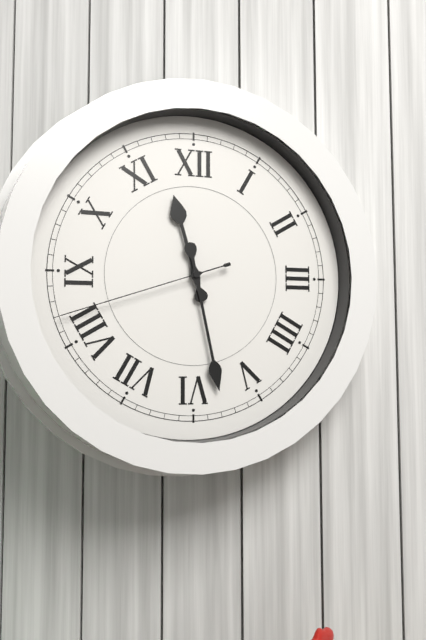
11:28:42
